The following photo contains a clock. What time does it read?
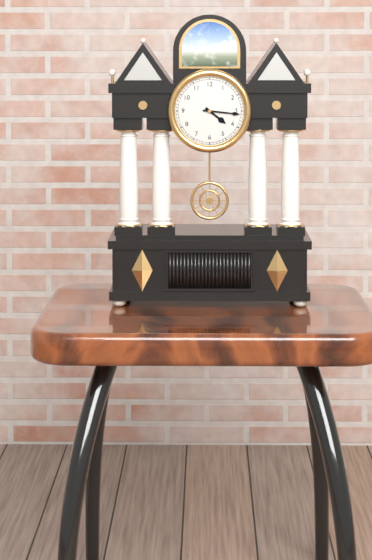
4:16
